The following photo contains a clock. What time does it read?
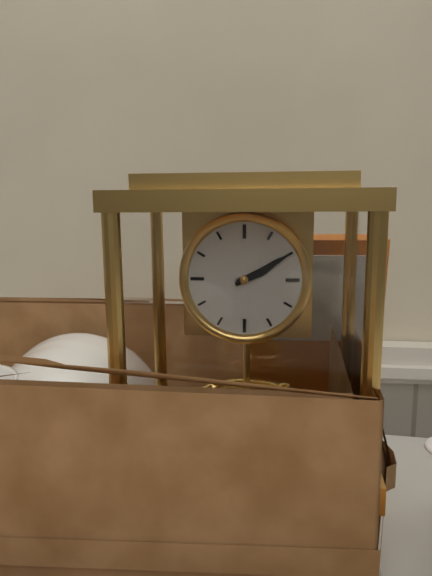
2:10
